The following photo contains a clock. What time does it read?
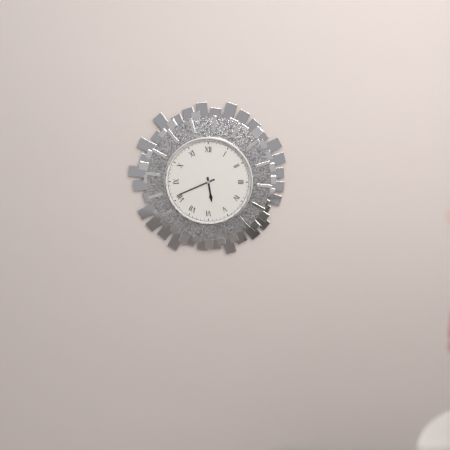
5:41
